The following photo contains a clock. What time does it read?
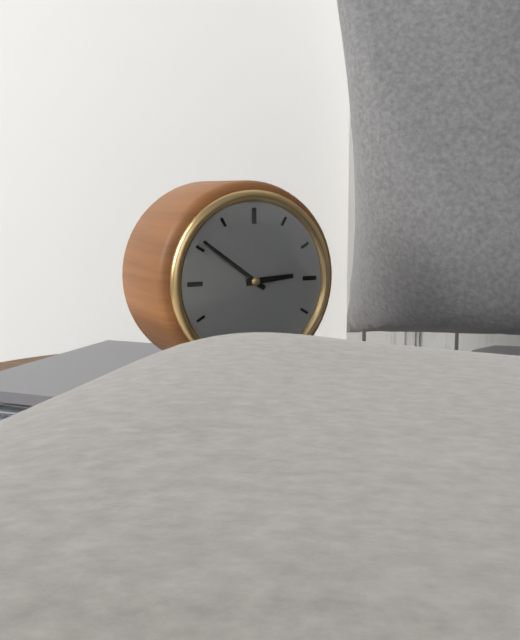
2:51
